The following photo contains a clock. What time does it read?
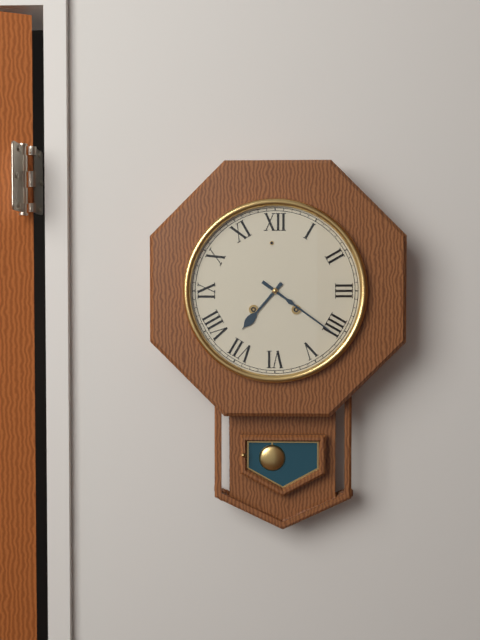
7:21
